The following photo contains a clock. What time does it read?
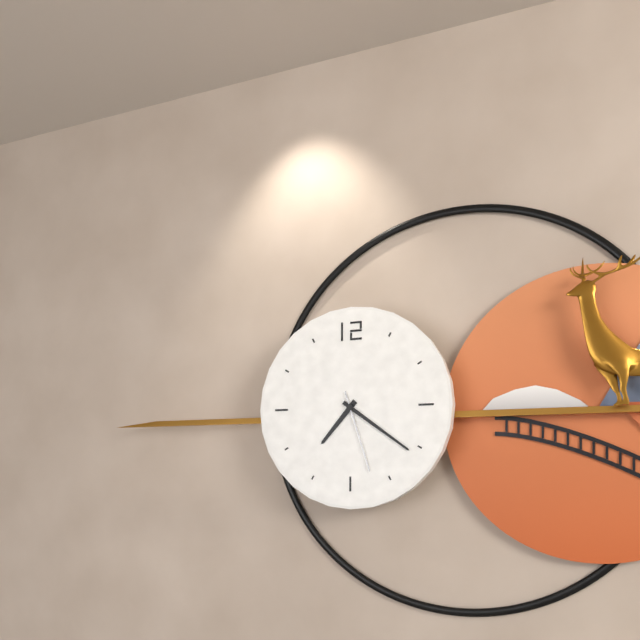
7:21:27
